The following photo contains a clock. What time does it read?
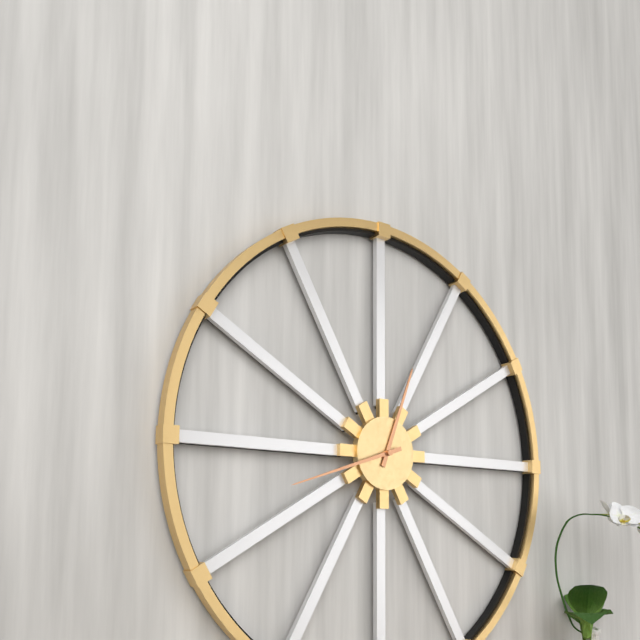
12:42
